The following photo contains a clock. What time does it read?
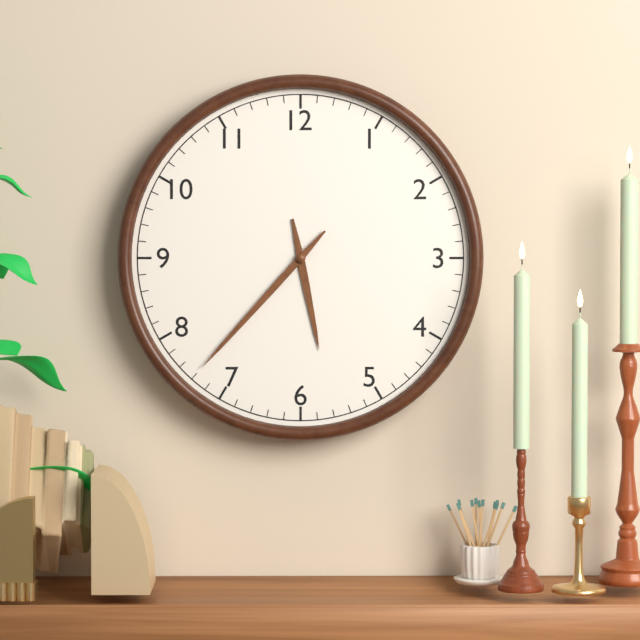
5:37
